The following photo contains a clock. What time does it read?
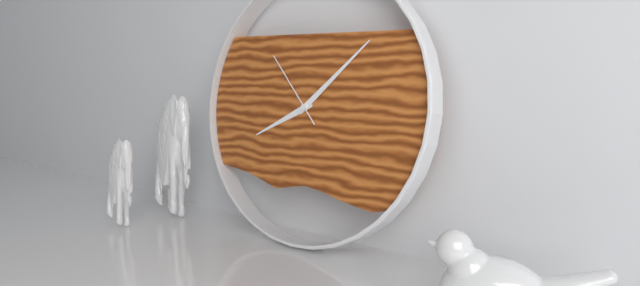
8:08:53
